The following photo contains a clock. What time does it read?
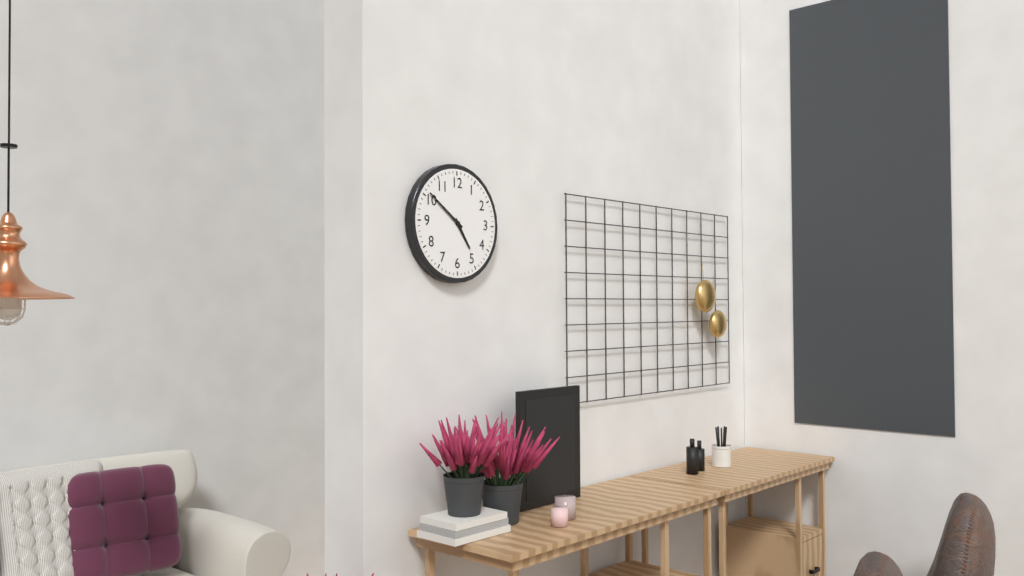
4:51
